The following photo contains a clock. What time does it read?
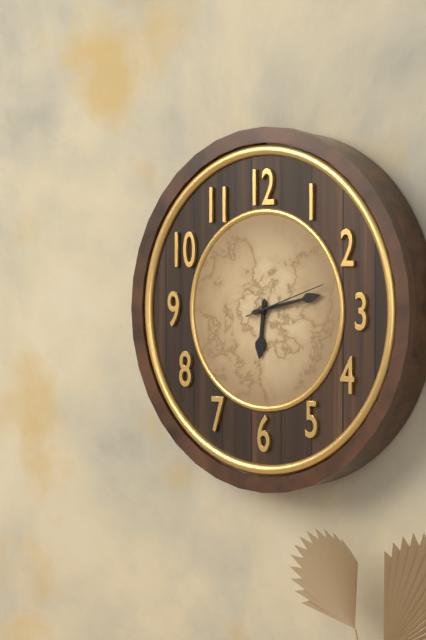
6:13:12
